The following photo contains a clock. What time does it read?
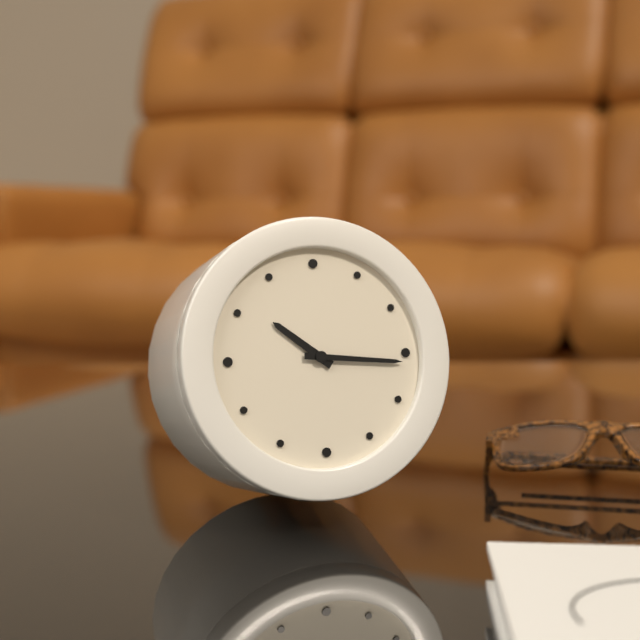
10:16
